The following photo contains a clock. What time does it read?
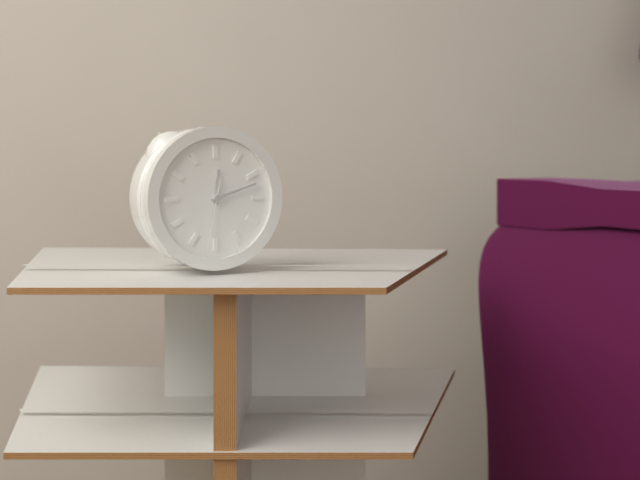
12:12:32
